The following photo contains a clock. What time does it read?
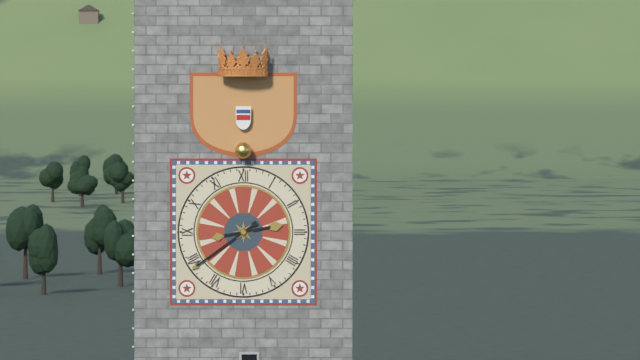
2:39
